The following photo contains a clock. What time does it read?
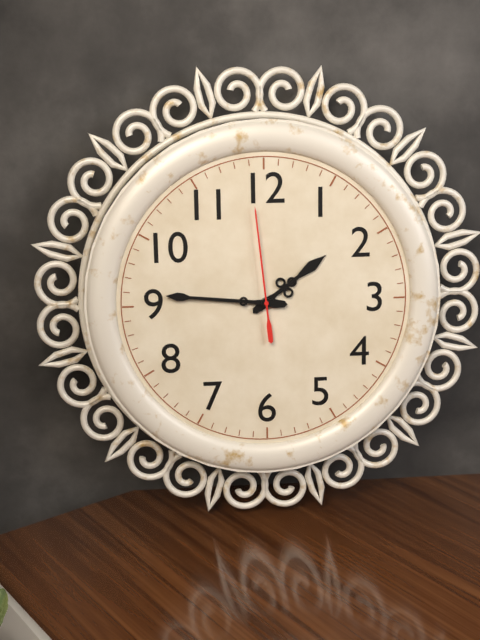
1:46:59
